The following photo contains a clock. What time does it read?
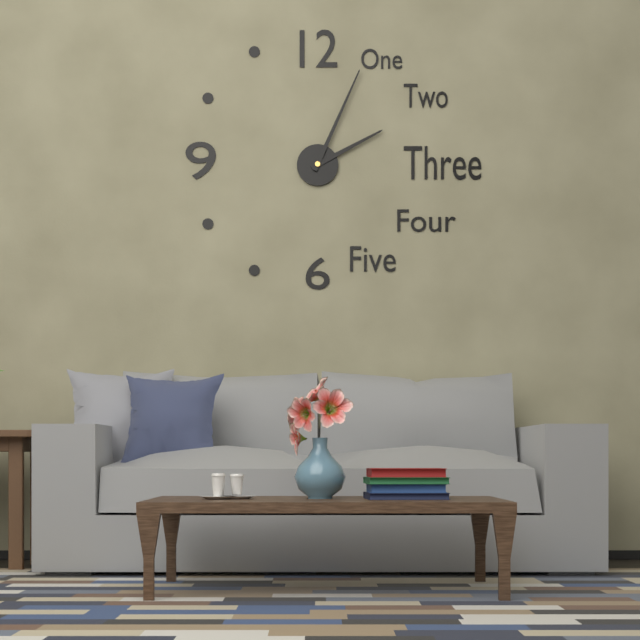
2:04
